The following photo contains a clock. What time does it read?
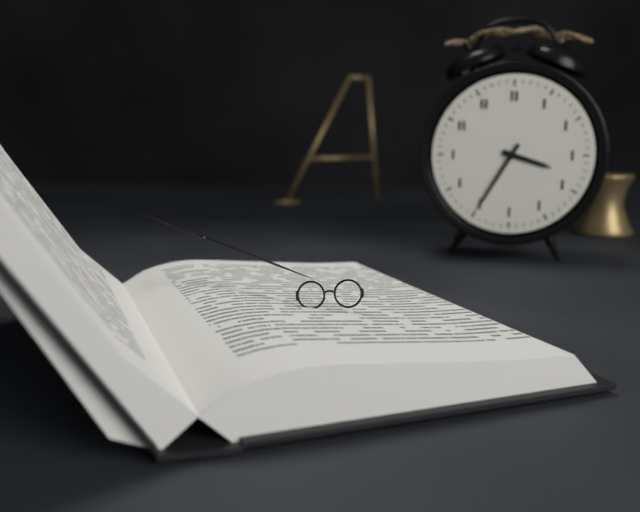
3:35
